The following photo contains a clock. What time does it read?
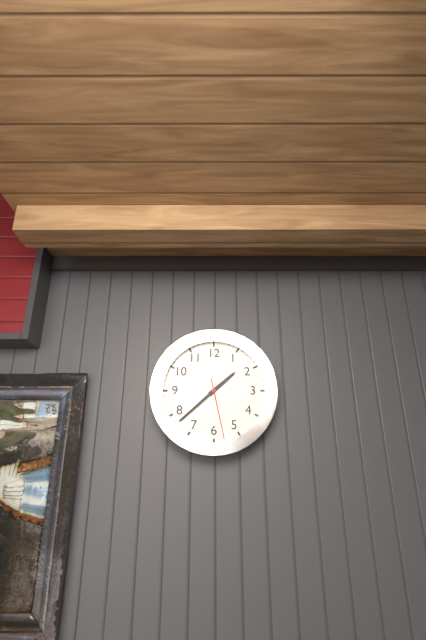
1:38:28
